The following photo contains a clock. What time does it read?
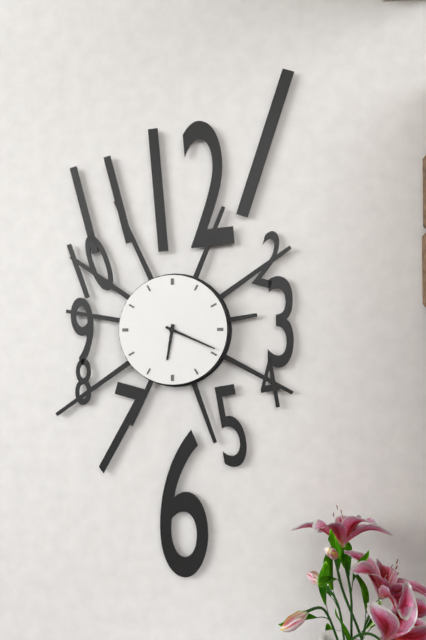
6:19
